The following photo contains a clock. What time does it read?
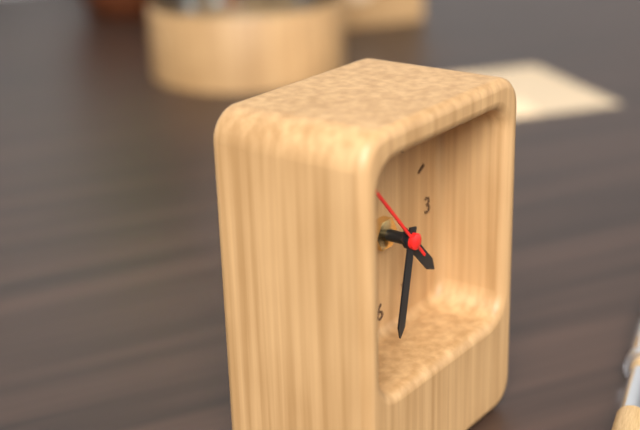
4:32:53
